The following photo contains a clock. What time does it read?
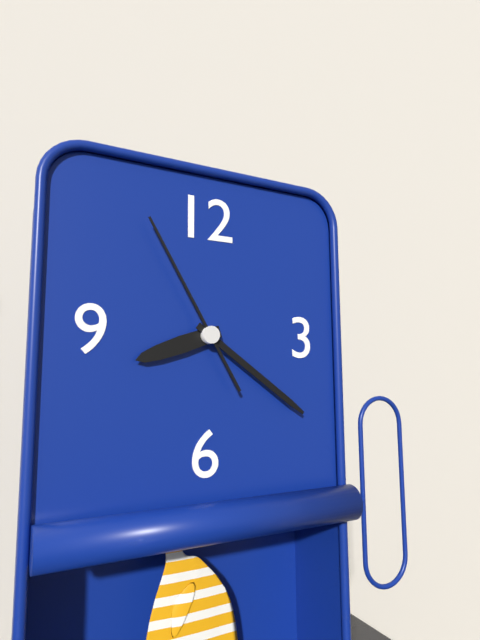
8:21:55
